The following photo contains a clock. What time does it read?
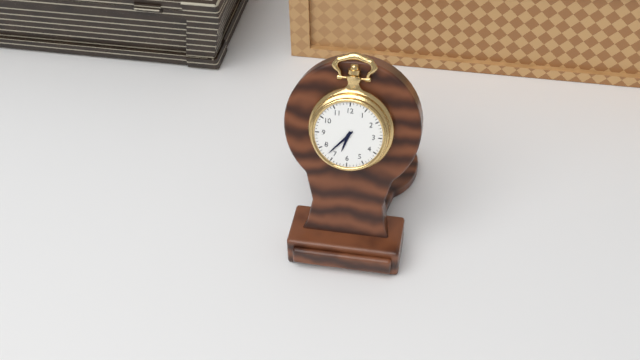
6:37
